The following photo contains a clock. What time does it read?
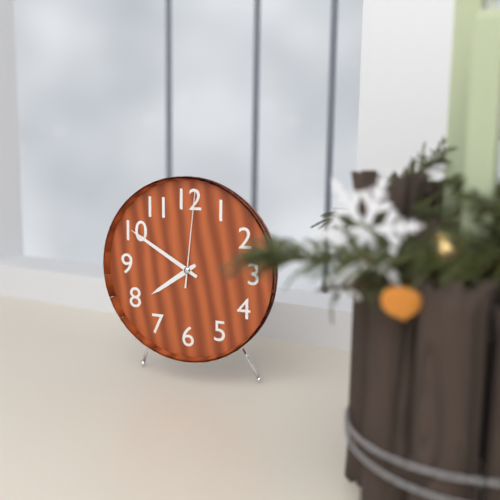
7:50:01
